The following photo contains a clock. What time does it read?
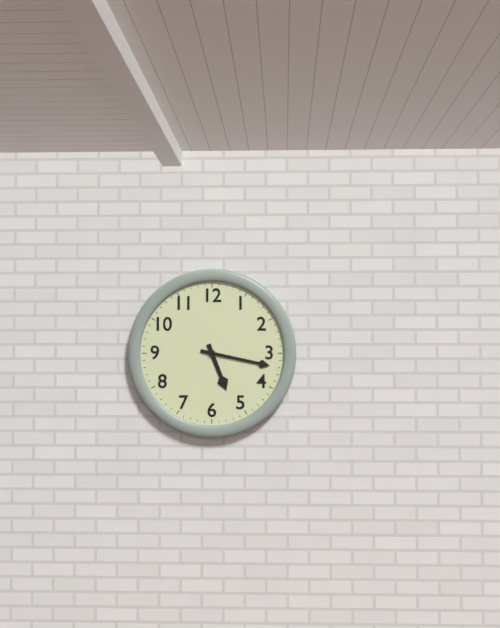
5:17
